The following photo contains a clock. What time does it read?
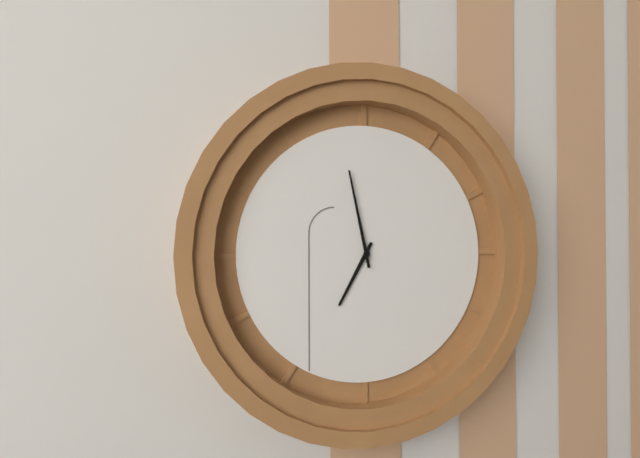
6:58
